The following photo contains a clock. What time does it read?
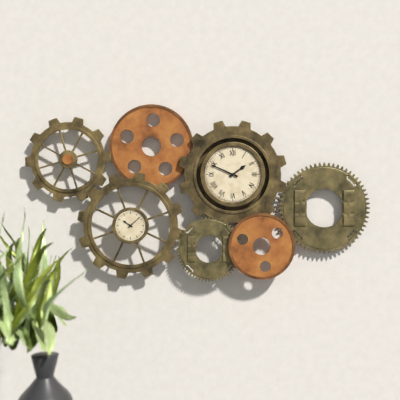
1:49
